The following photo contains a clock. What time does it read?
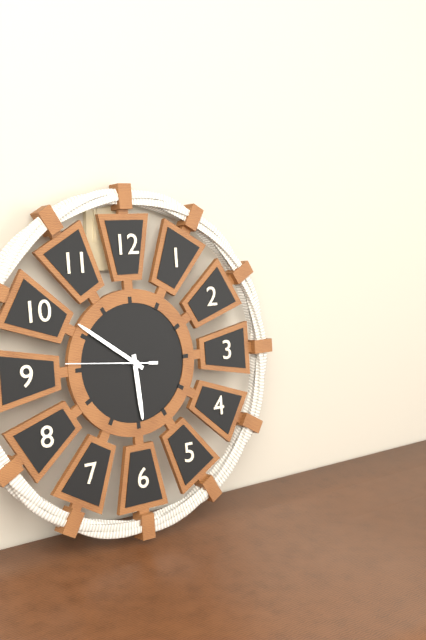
5:51:46
